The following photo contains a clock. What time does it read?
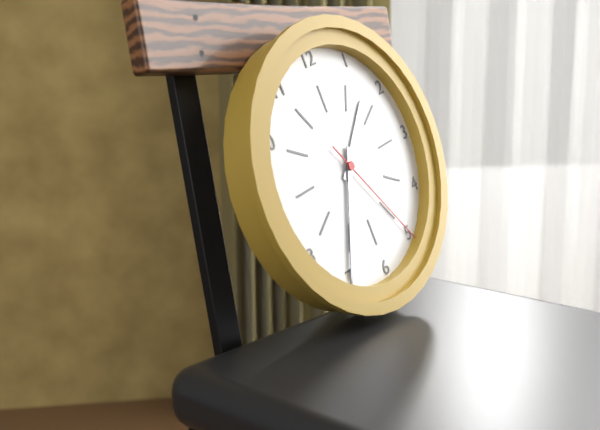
1:35:25
